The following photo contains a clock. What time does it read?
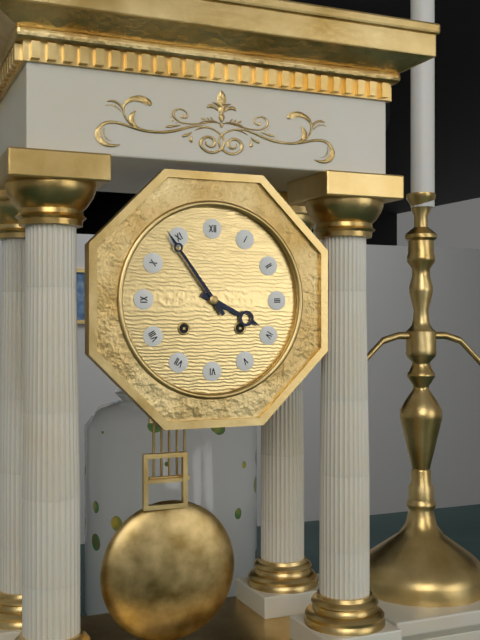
3:54
